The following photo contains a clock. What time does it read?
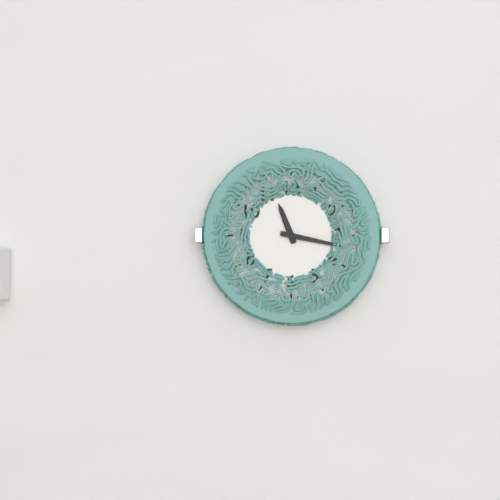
11:17
